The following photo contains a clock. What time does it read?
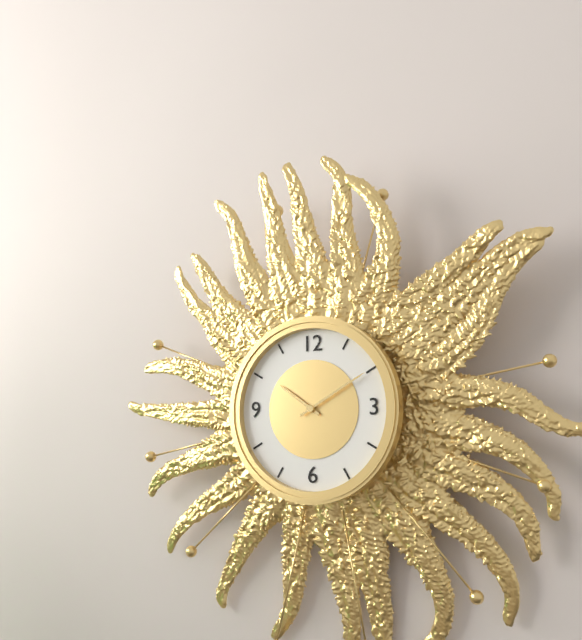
10:10
